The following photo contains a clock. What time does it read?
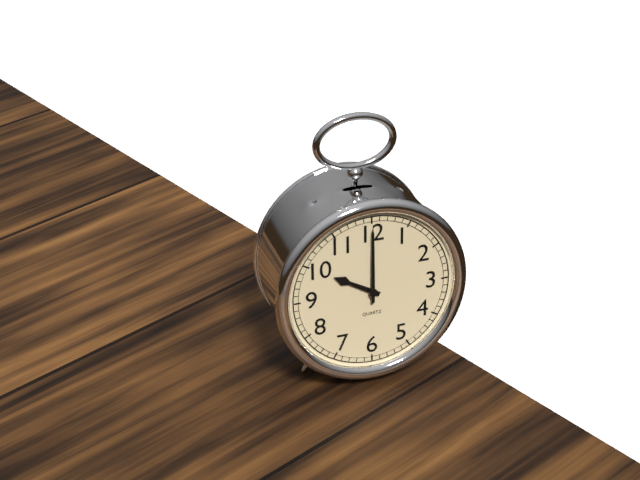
10:00
